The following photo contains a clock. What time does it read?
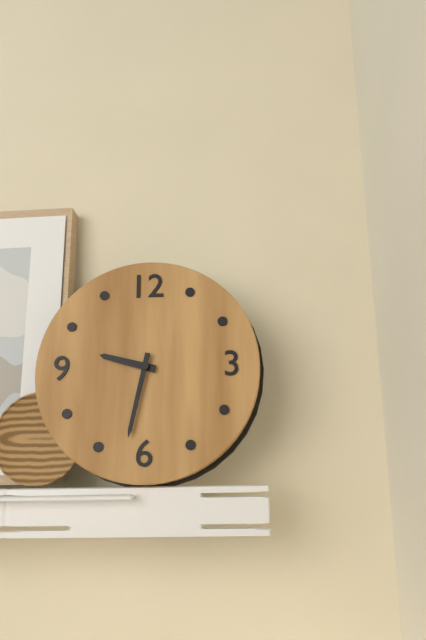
9:32
